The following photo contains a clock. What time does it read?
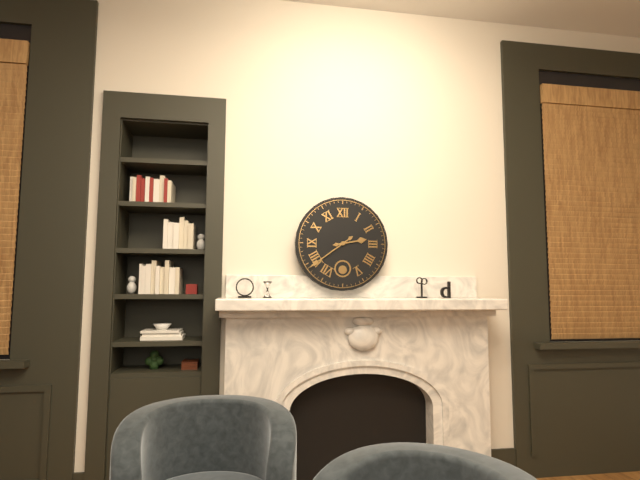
2:39
